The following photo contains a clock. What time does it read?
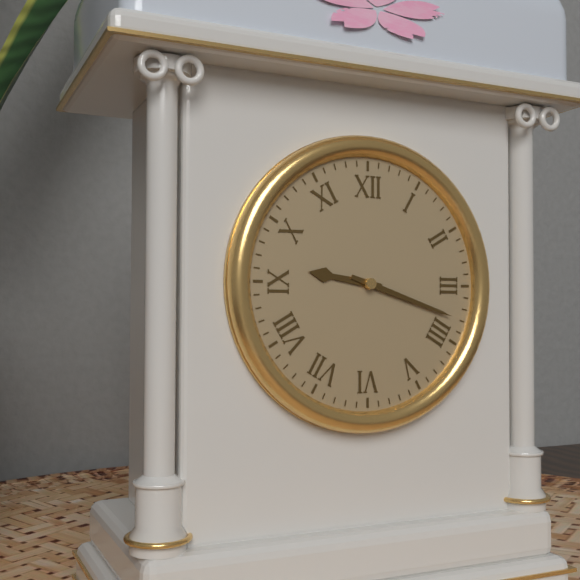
9:18
